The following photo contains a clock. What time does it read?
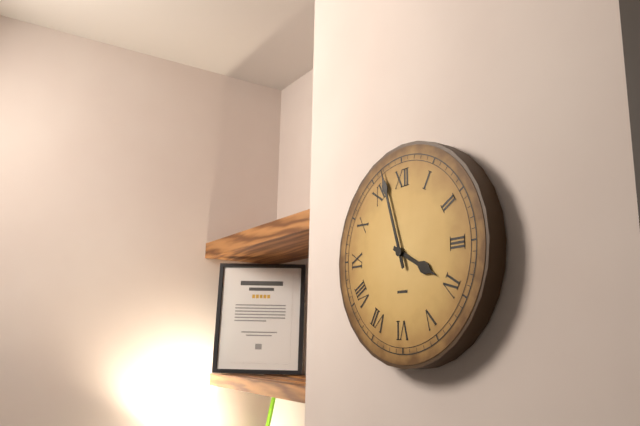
3:57
